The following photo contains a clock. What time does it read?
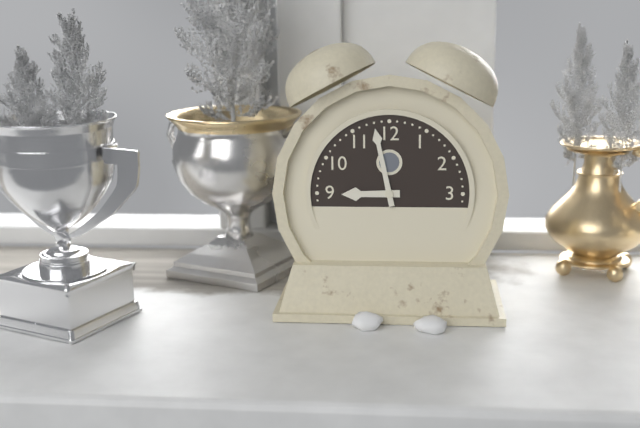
8:58
